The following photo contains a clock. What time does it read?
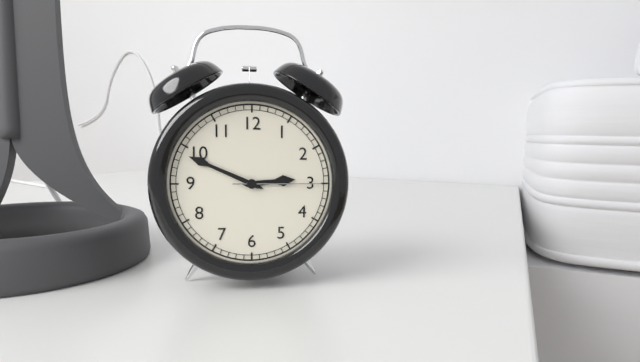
2:49:15
